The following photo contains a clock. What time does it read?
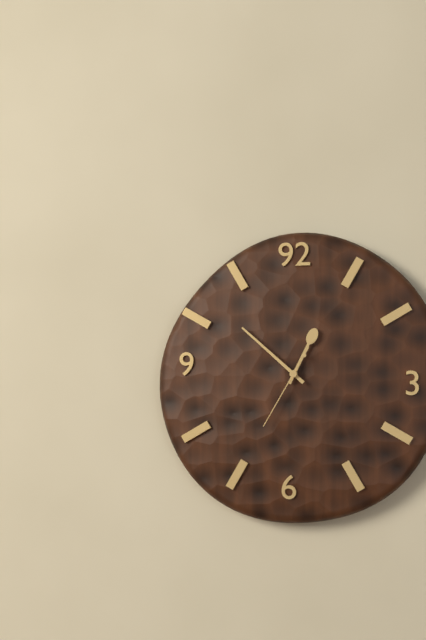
12:52:35
